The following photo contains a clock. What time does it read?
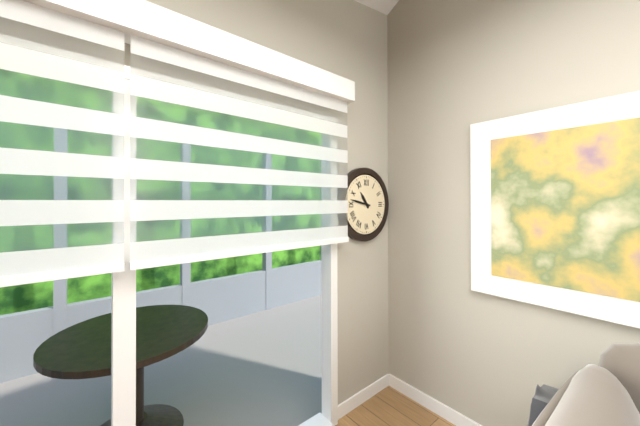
10:47
